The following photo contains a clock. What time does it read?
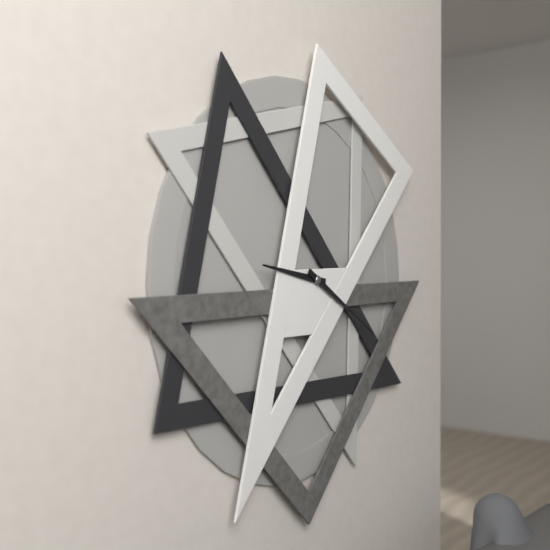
9:20
